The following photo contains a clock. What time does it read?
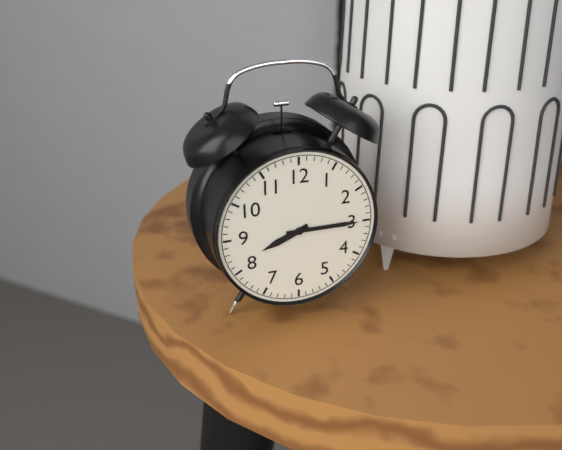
8:15
